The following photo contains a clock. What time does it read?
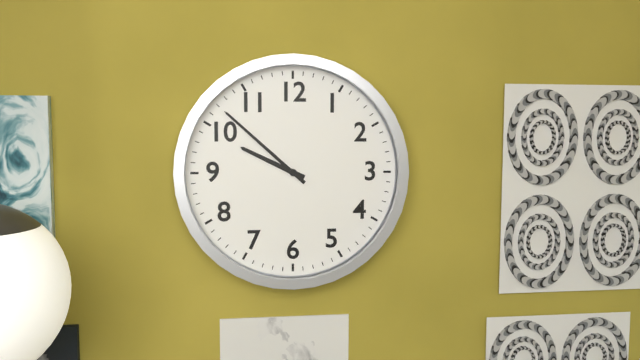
9:52
